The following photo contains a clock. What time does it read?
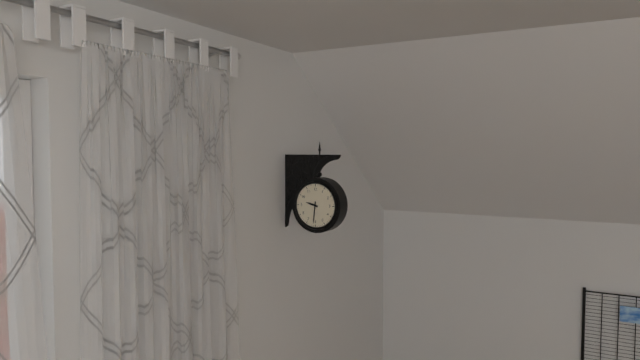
9:31
